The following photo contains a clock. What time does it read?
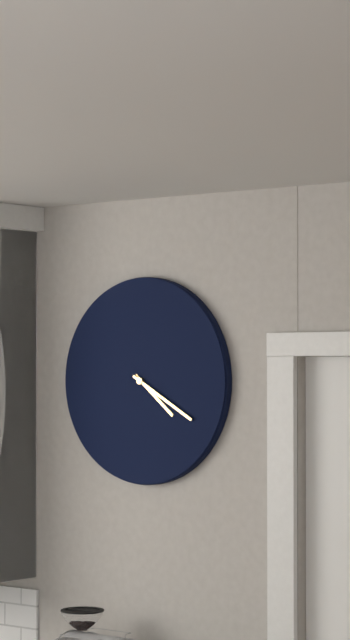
4:20
